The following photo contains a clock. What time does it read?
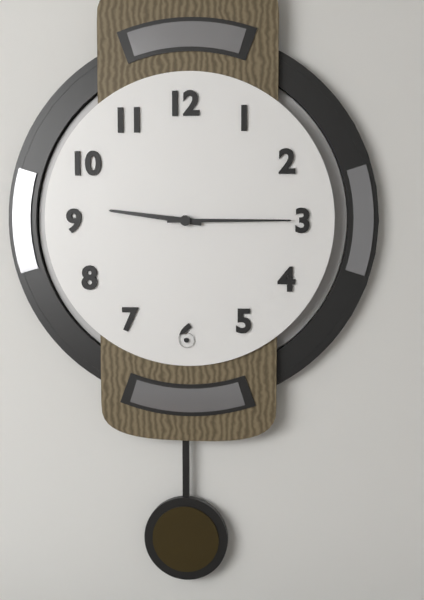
9:15
